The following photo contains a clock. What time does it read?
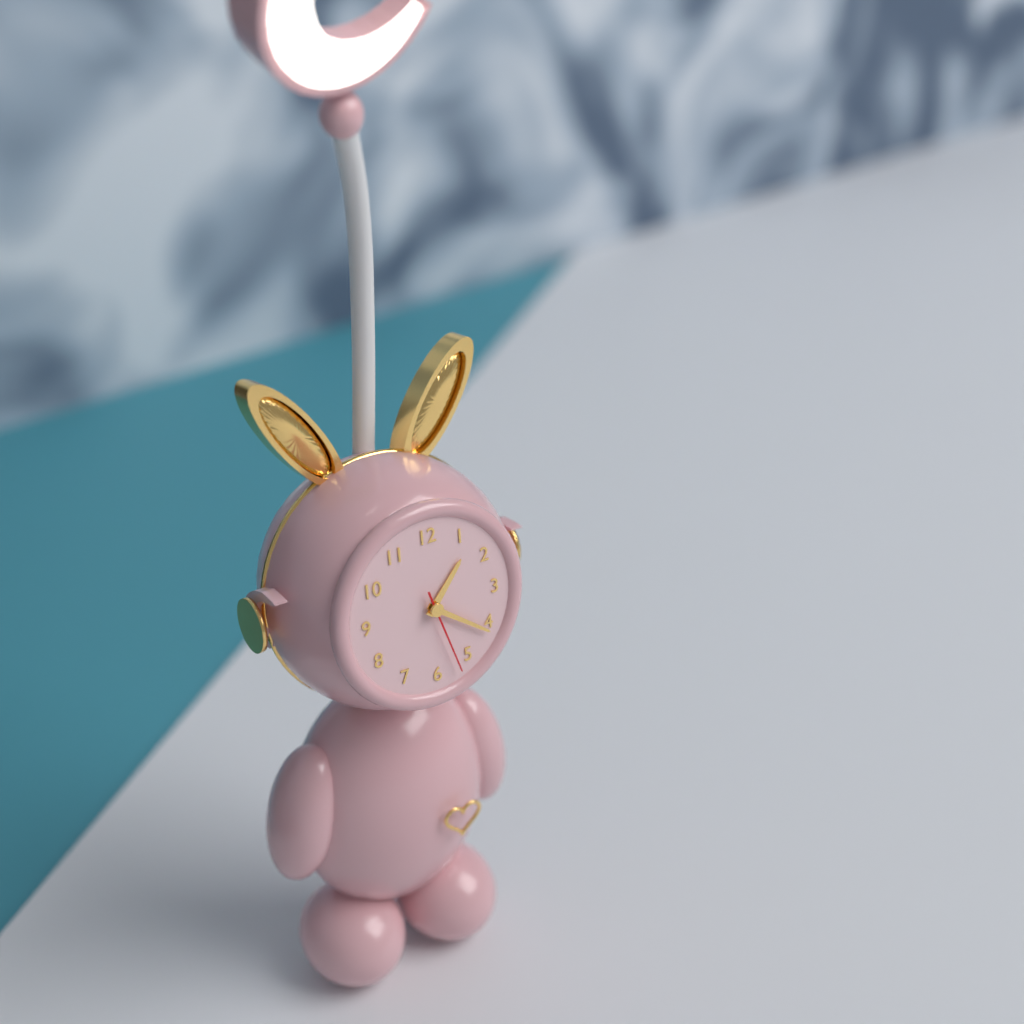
1:21:27
